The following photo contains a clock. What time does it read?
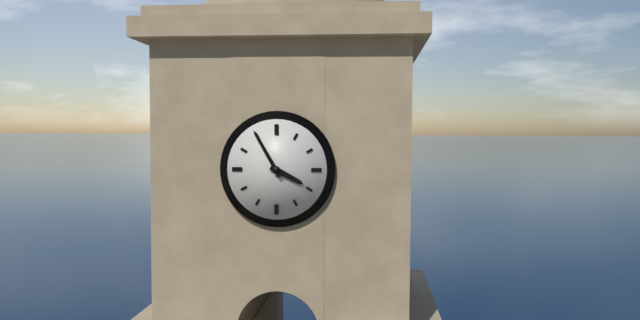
3:55
